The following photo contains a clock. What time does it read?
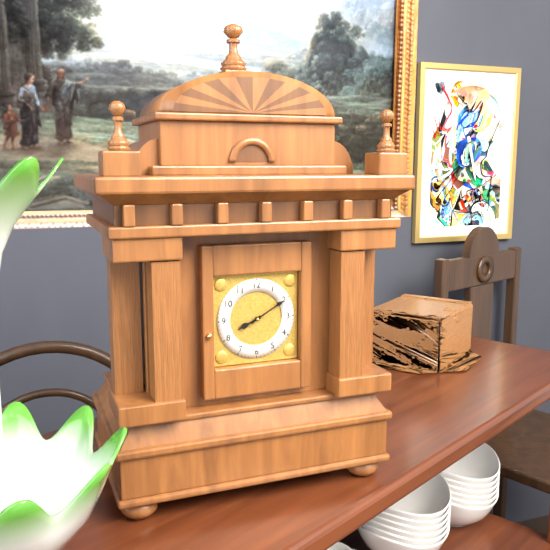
8:10
